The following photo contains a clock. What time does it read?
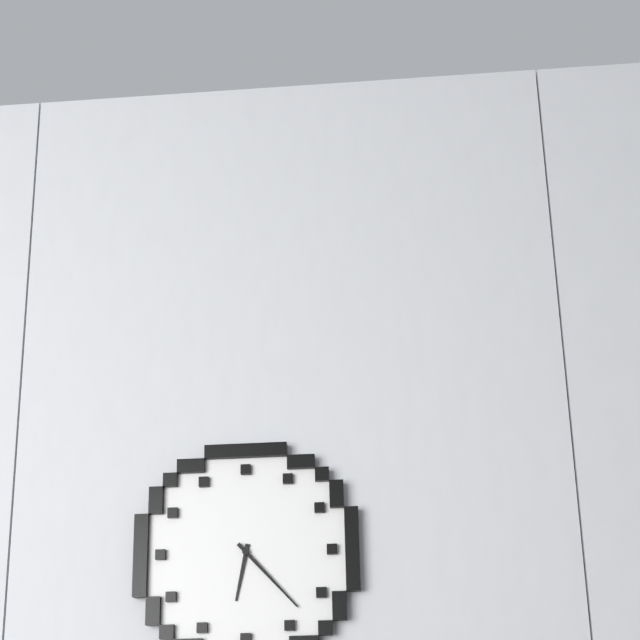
6:23
